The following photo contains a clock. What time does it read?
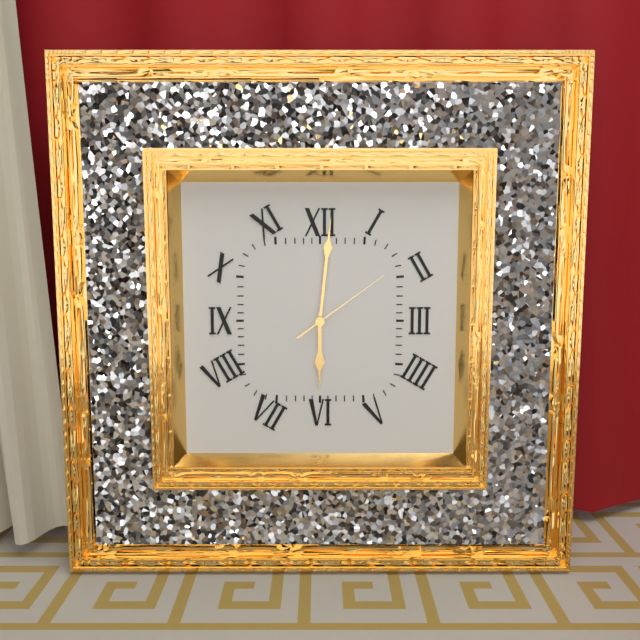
6:01:09
